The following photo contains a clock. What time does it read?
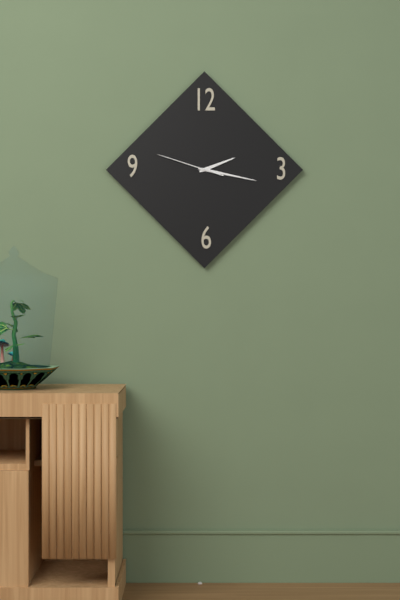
2:17:48
